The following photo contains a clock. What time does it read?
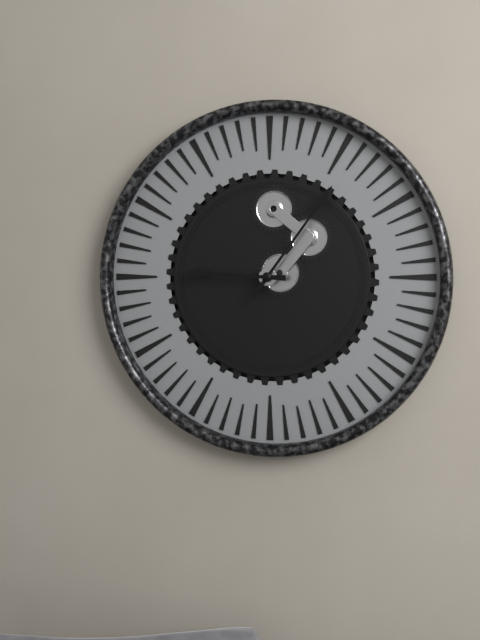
9:06
